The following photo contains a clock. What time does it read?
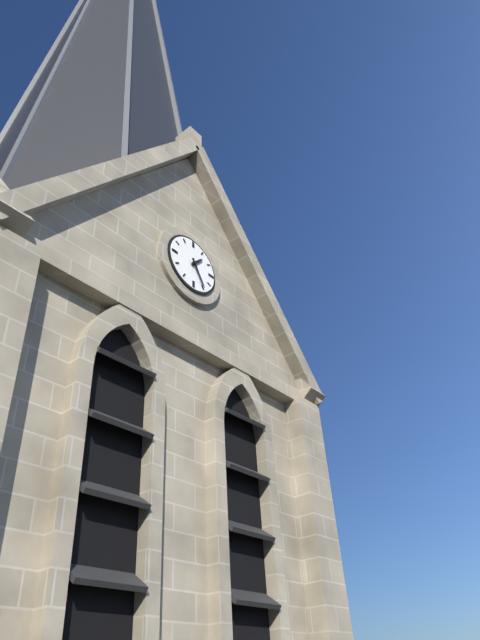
1:25
